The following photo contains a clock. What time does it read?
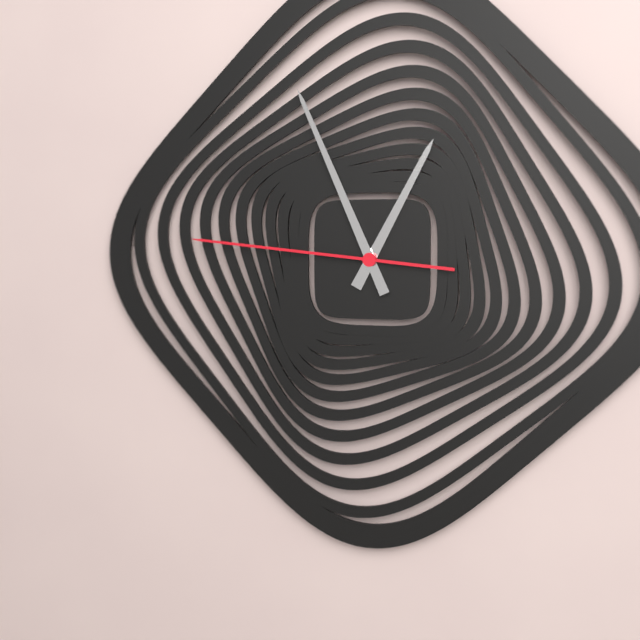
12:56:46
